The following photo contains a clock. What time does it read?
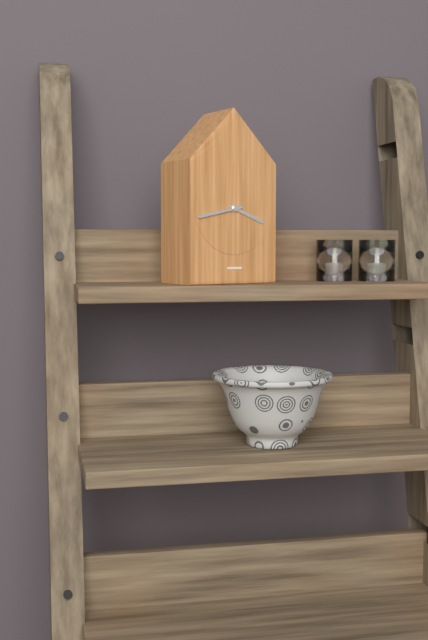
3:43
